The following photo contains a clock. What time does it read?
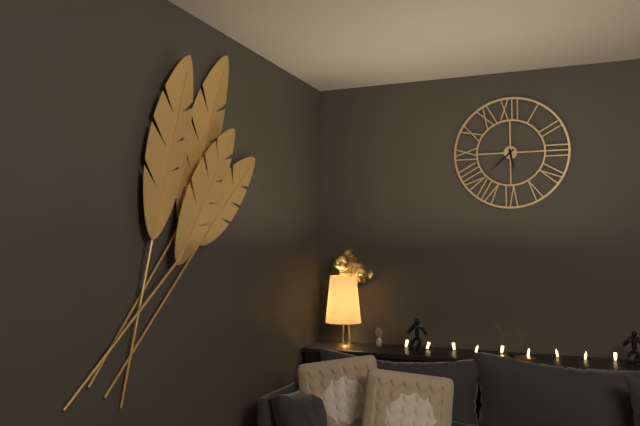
5:38
